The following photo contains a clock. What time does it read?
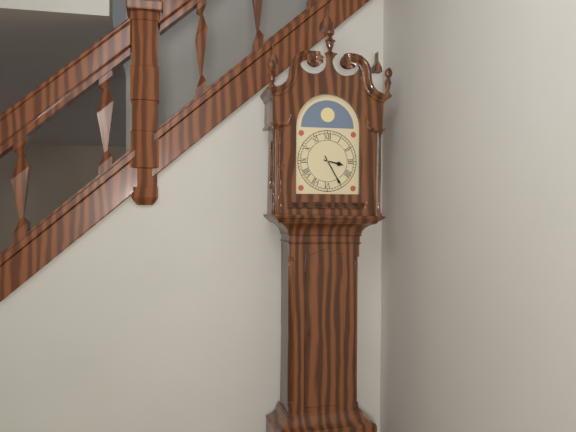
3:25
